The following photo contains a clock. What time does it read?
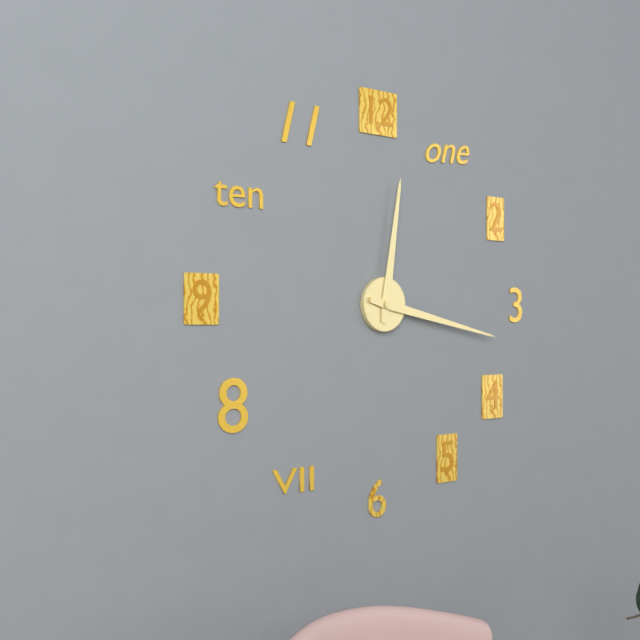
12:17
